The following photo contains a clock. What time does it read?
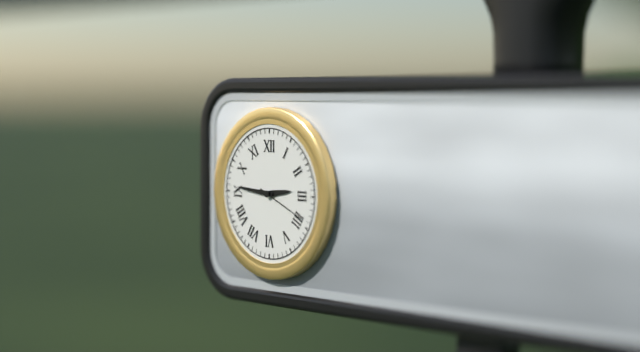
2:46:19
